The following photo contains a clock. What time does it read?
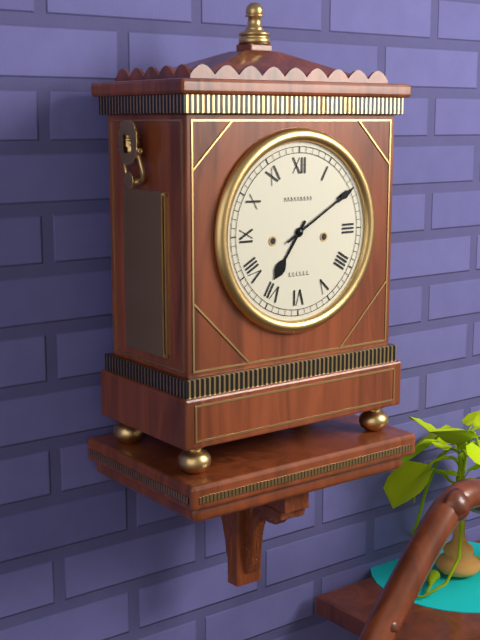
7:10
